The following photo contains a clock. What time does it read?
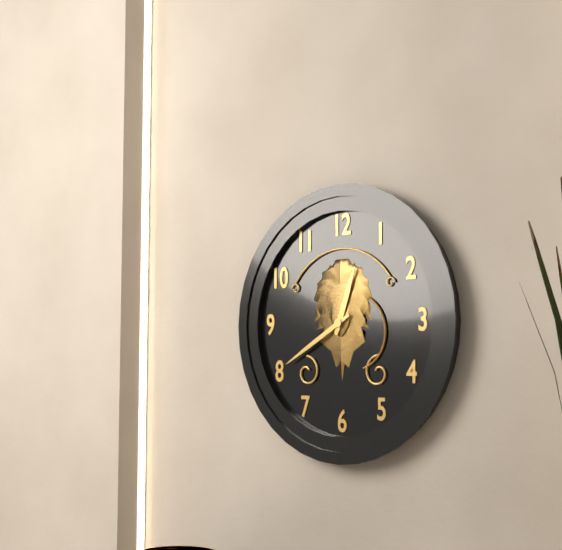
12:40
